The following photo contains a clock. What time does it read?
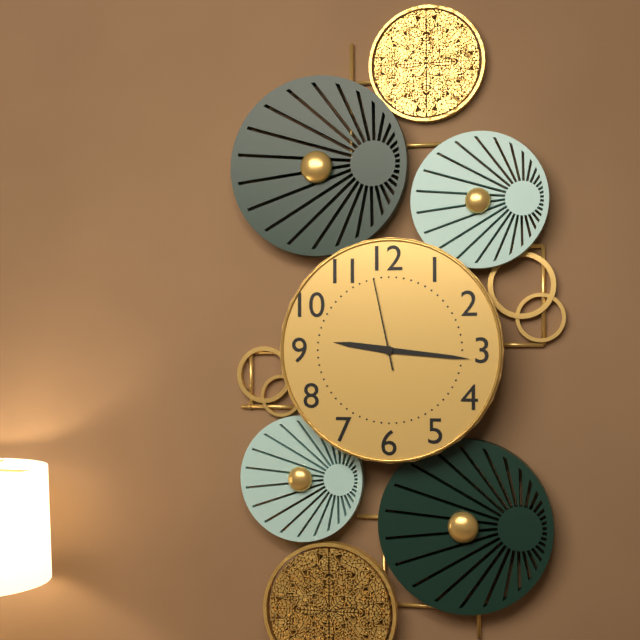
9:16:58
